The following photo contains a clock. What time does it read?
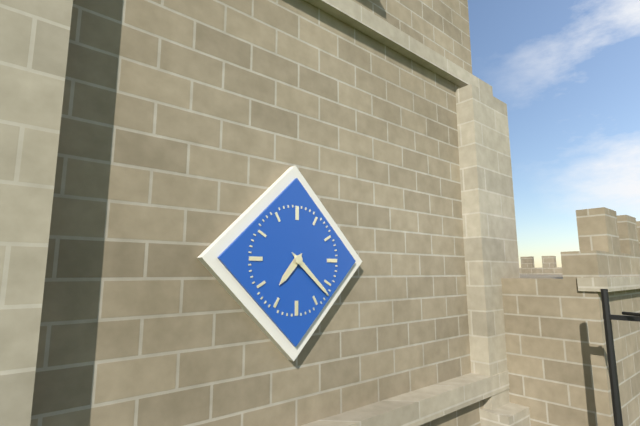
7:22
